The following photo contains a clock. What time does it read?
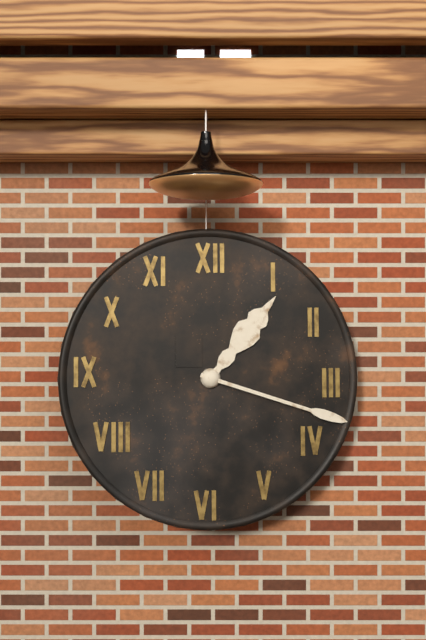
1:18
